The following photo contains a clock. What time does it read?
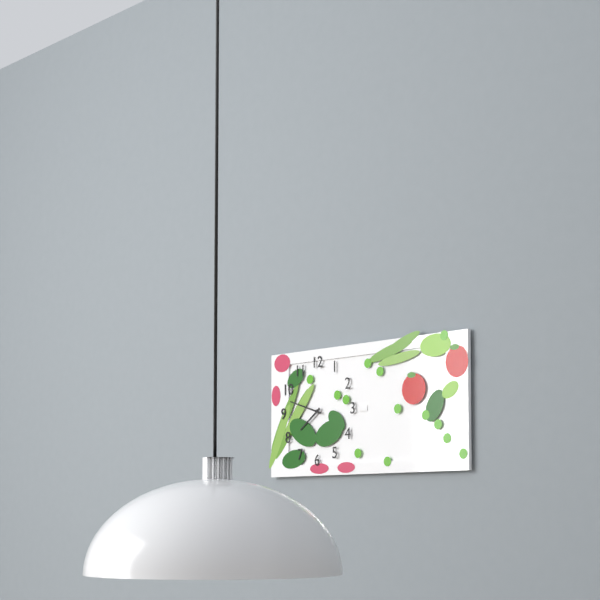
7:48
